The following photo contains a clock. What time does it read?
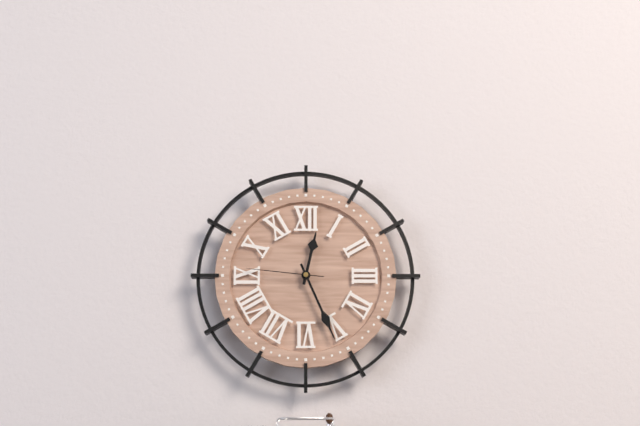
12:26:46
